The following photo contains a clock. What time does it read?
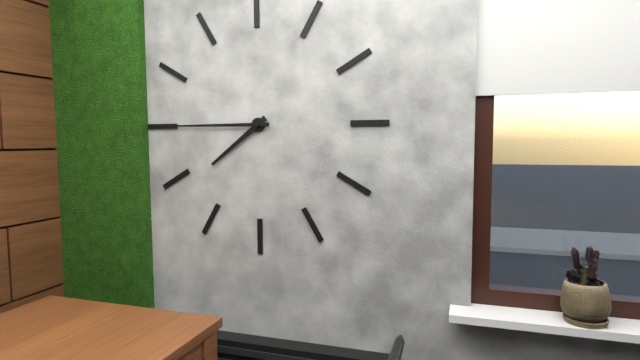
7:45
